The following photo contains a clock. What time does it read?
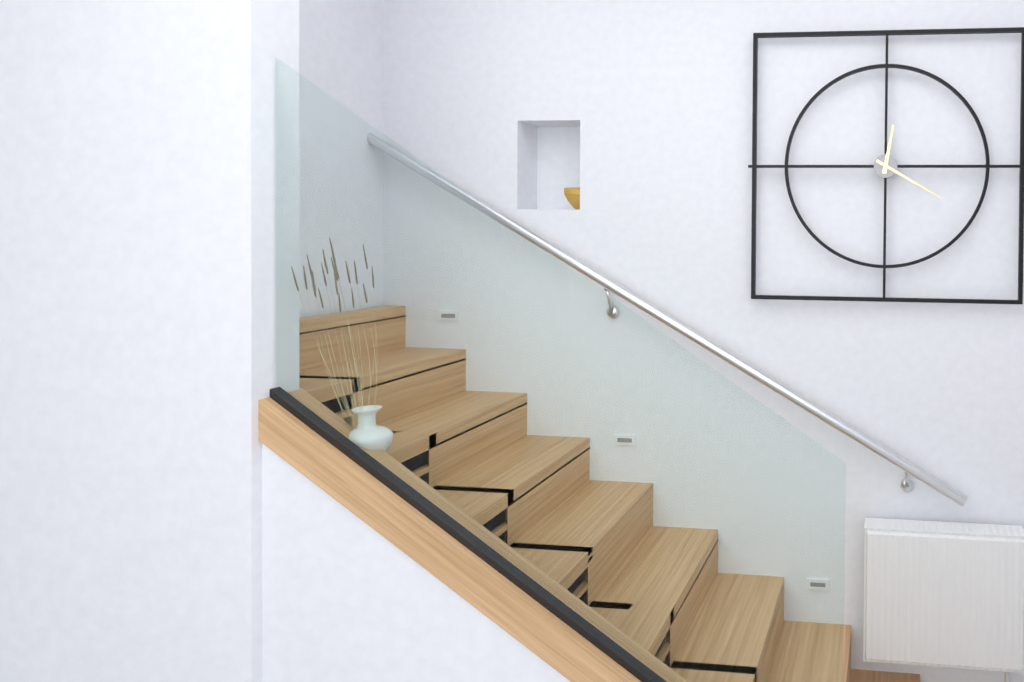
12:20
